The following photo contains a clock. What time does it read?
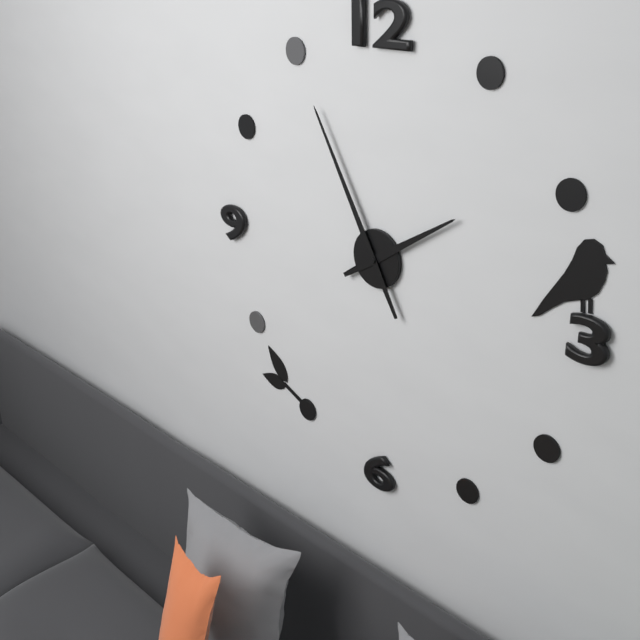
1:55
